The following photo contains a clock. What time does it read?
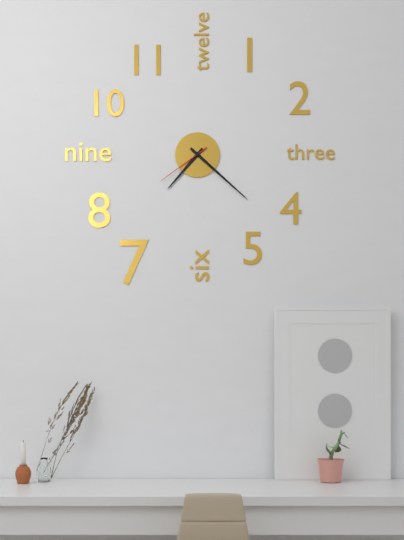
7:22:39
